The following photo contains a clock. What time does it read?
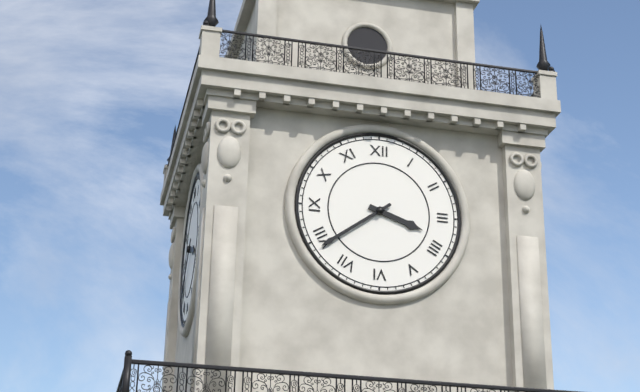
3:39
